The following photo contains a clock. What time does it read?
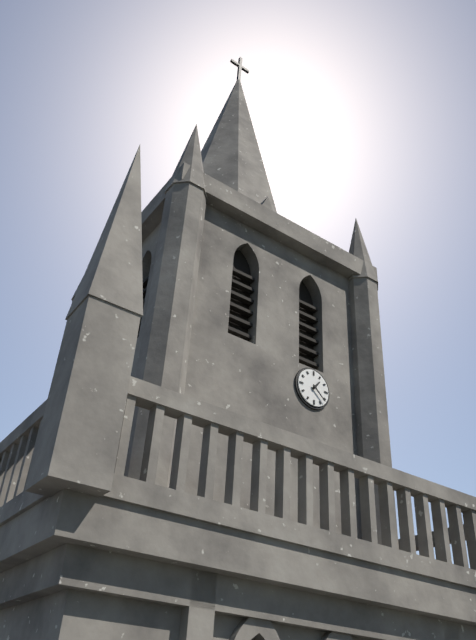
1:22
